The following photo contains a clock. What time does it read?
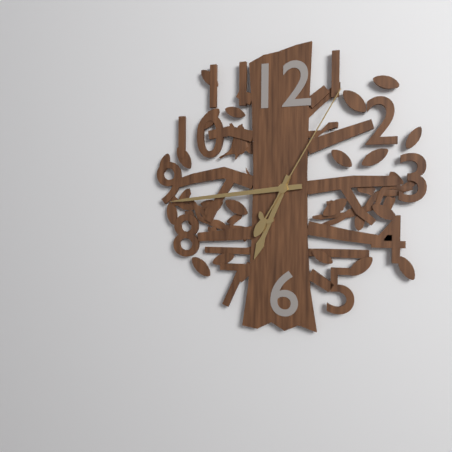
6:44:05
